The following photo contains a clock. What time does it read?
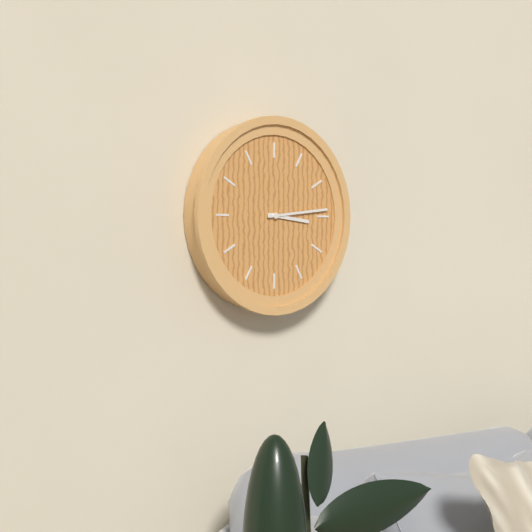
3:14
